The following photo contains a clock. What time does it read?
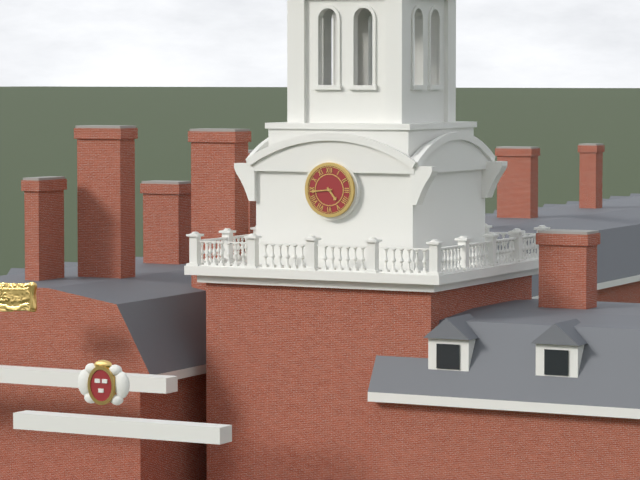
4:44
